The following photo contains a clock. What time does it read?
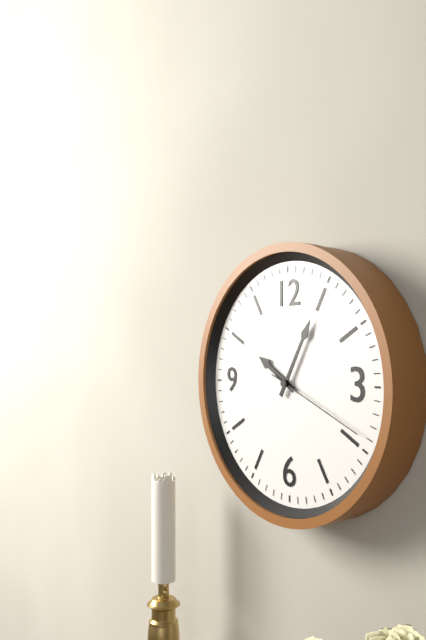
10:05:19
